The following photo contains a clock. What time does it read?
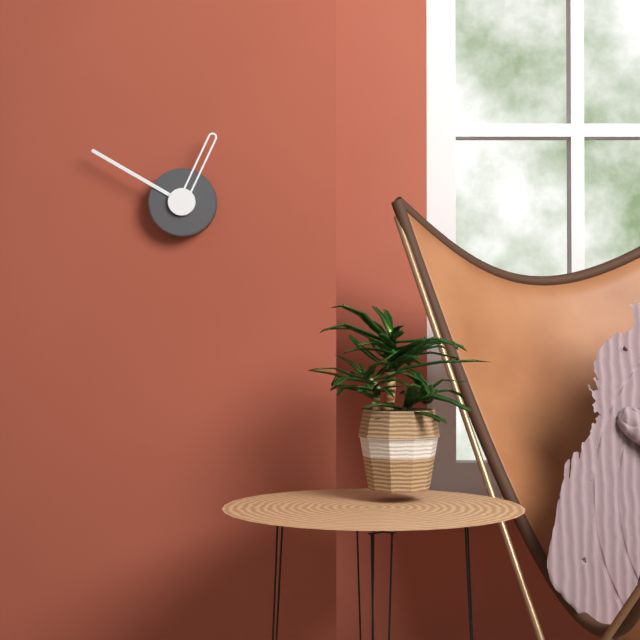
12:50
